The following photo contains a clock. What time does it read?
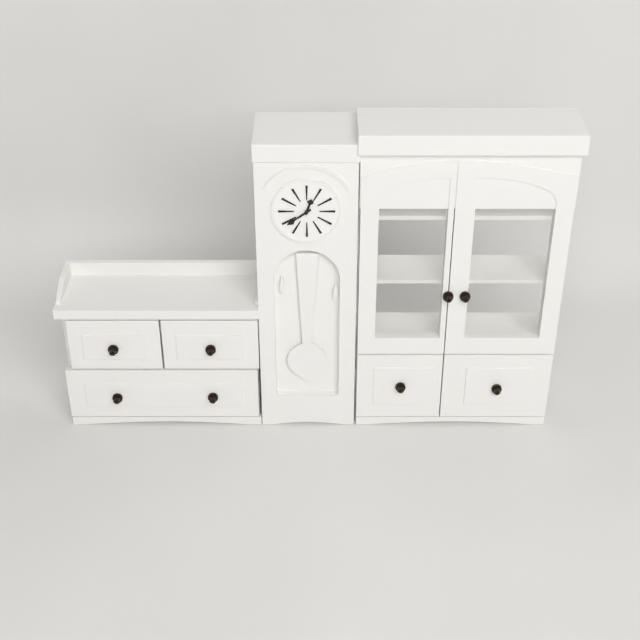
12:39
